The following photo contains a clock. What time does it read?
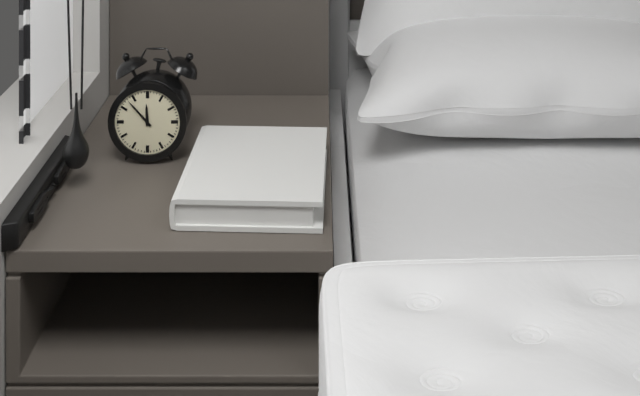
11:53
